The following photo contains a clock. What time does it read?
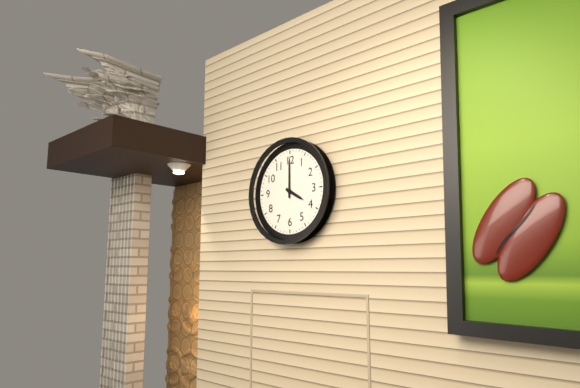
4:00
